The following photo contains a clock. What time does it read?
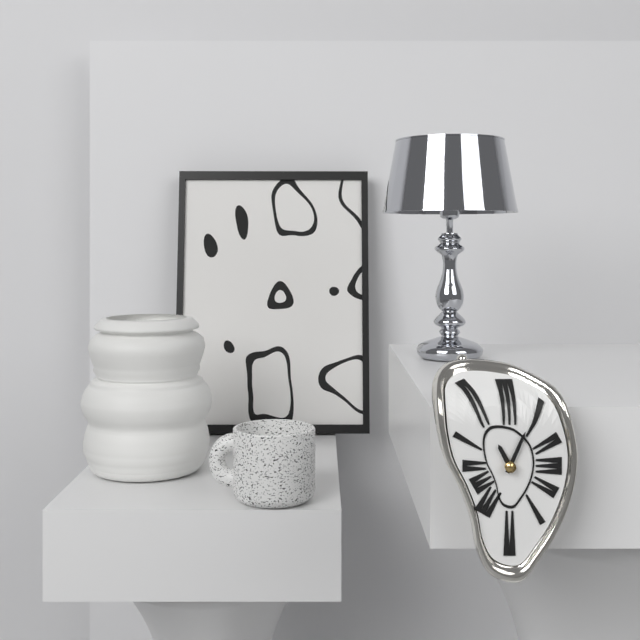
11:04
